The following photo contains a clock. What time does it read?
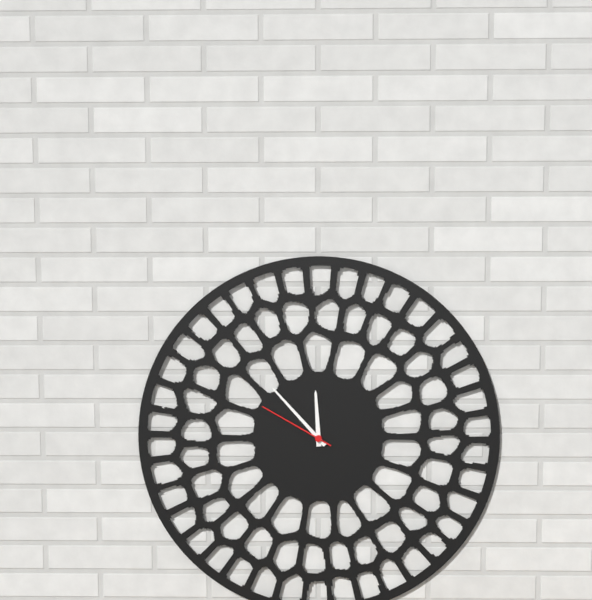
11:53:50
